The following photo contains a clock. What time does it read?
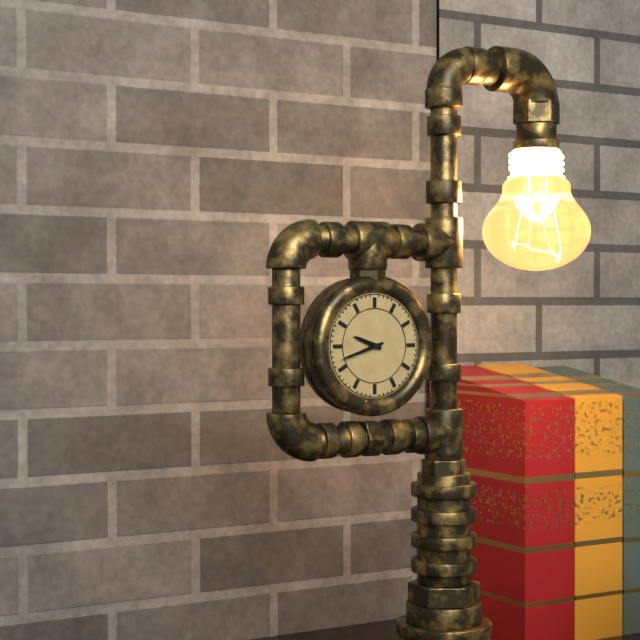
9:42
